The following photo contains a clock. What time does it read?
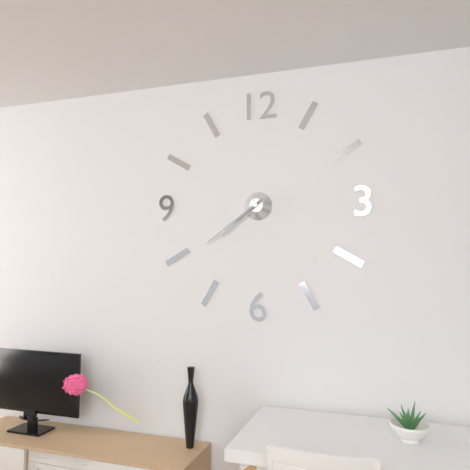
7:39
